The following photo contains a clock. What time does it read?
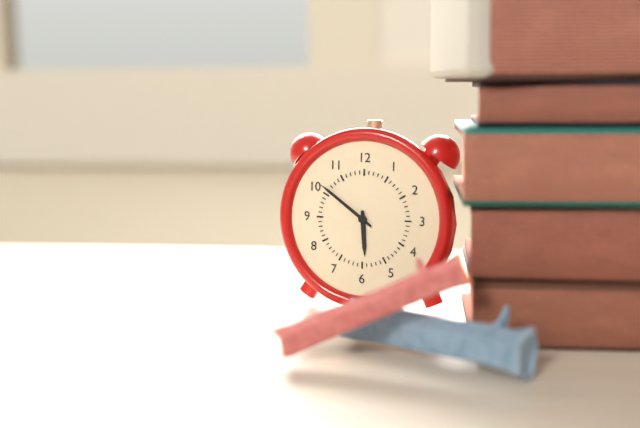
5:51
